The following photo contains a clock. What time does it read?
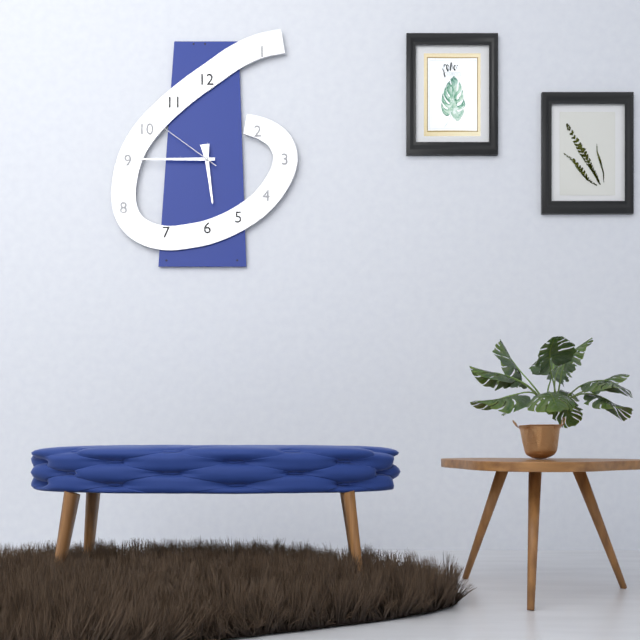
5:45:51
